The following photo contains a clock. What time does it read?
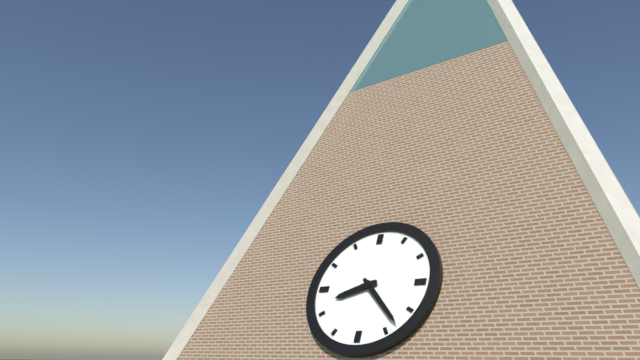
8:23
